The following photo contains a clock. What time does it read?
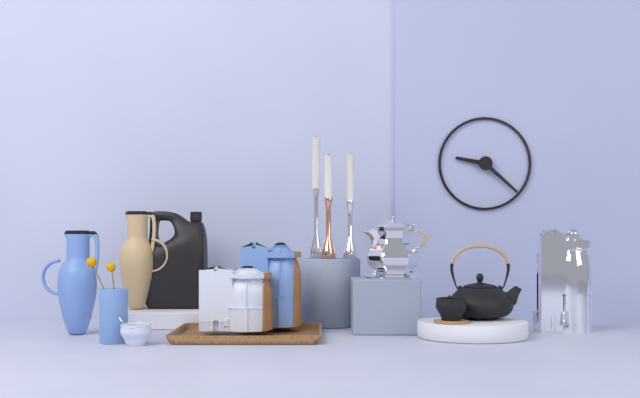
9:22
